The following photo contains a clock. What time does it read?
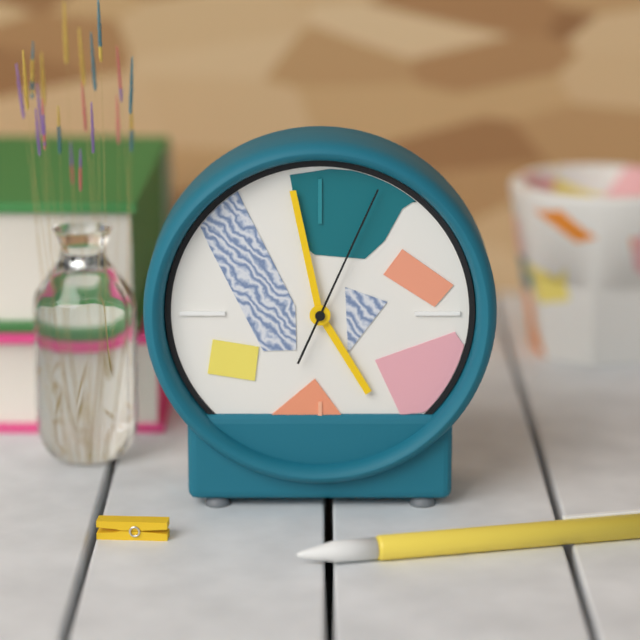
4:58:04
